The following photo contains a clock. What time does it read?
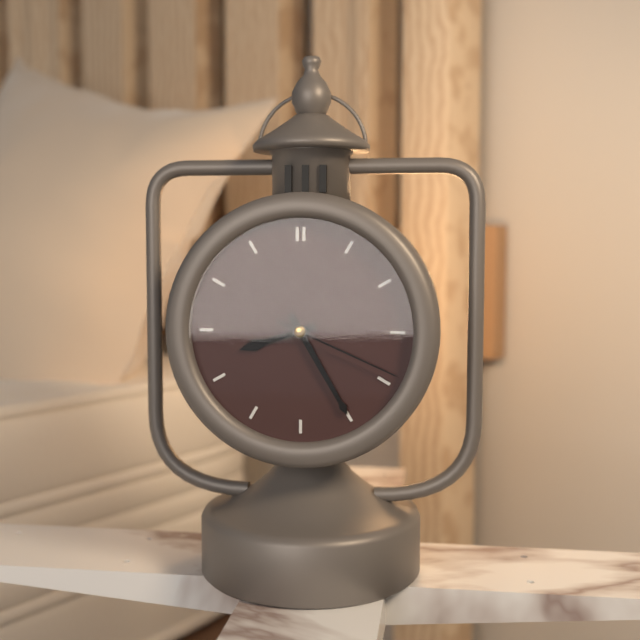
8:25:19
